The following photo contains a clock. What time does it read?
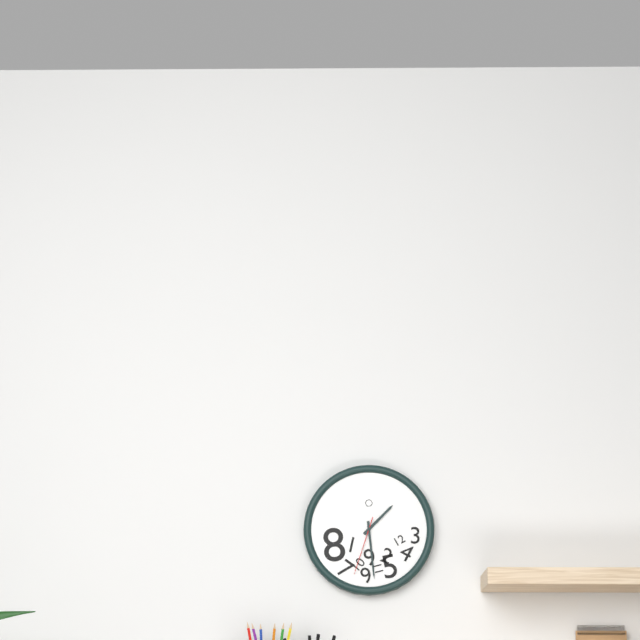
1:29:33
